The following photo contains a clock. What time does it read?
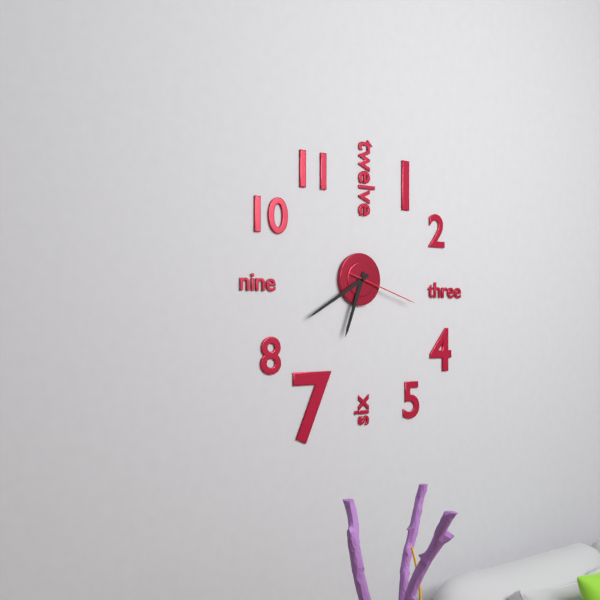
6:40:18
